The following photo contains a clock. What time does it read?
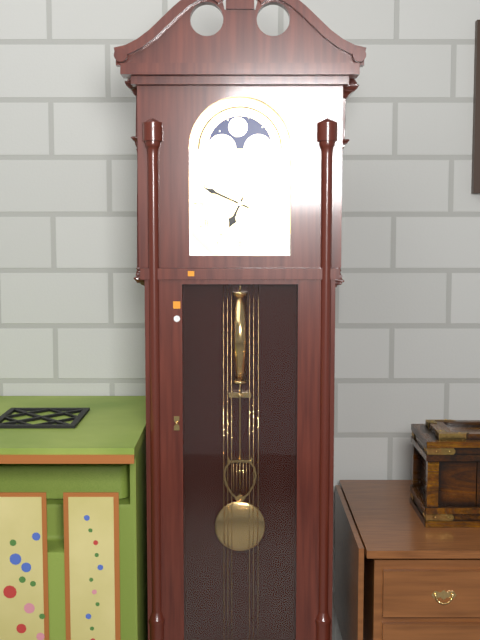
6:49
